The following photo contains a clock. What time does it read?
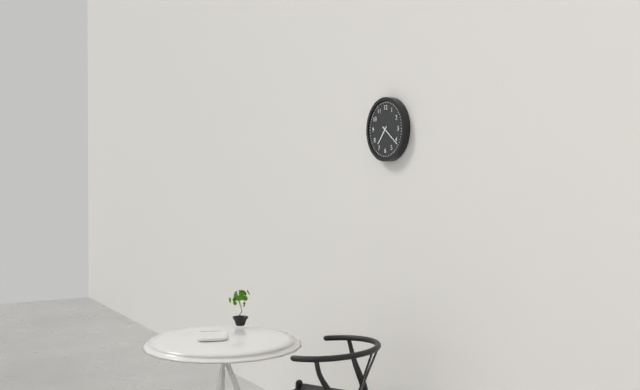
7:21
